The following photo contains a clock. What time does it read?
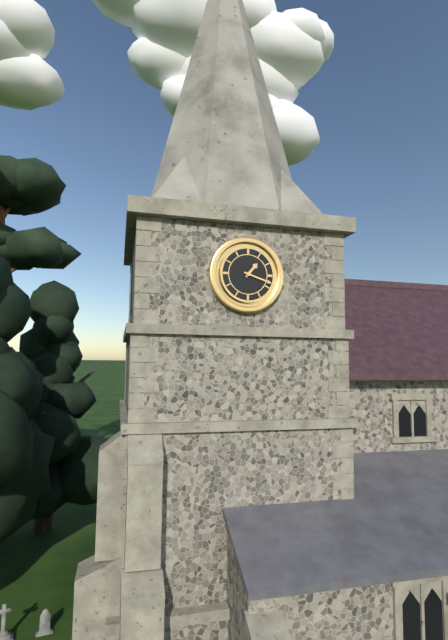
1:18
